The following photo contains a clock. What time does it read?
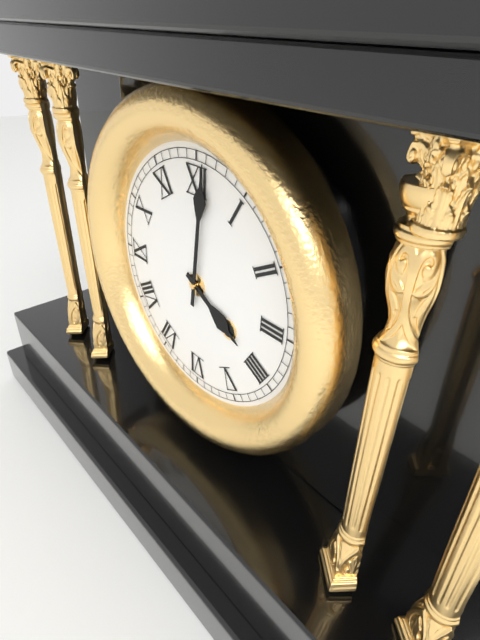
4:01
